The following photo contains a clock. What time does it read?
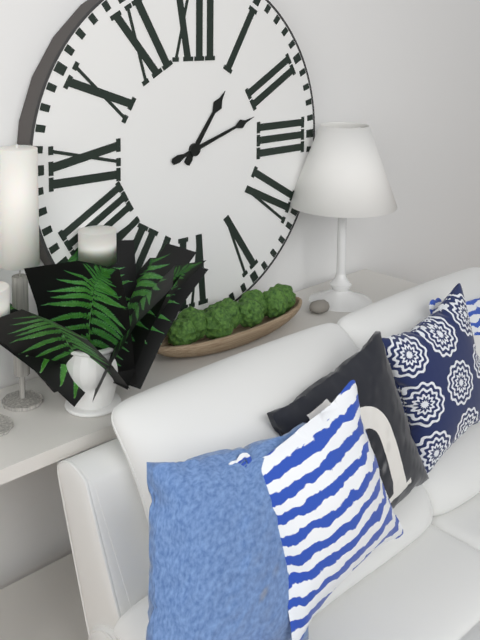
1:12
